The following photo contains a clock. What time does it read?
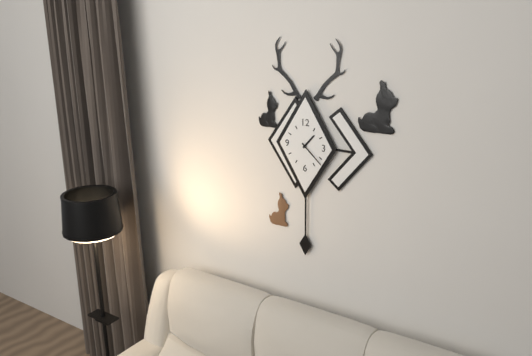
1:22
